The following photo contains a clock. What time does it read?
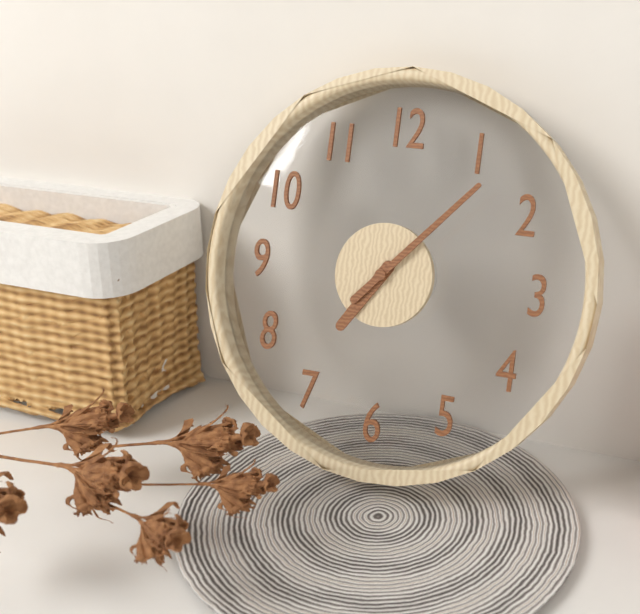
7:07
